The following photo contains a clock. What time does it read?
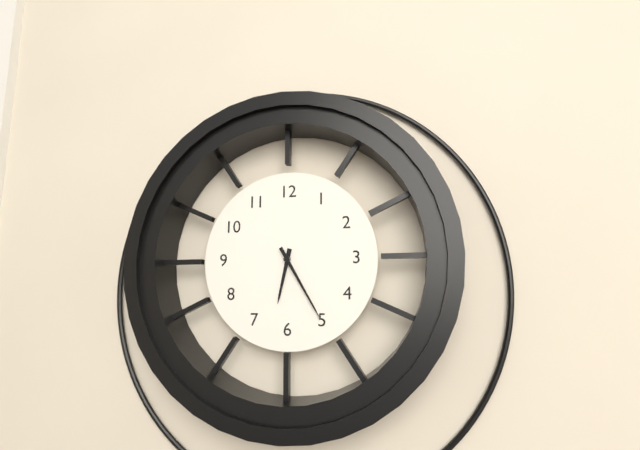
6:25
